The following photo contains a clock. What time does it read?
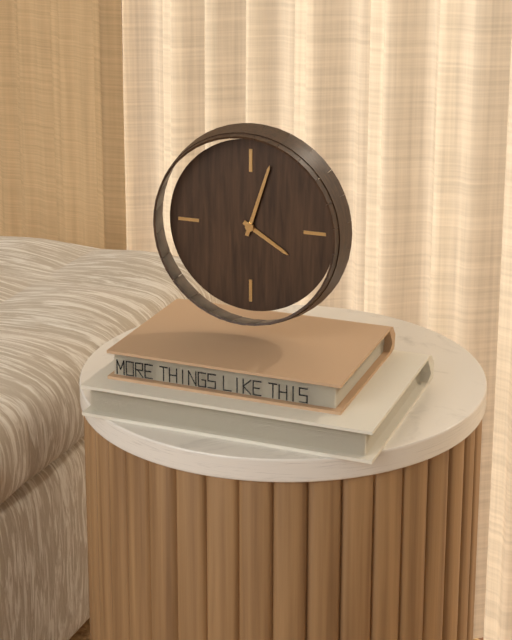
4:03
